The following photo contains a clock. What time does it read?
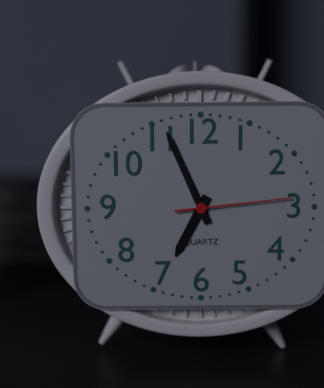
6:56:14
